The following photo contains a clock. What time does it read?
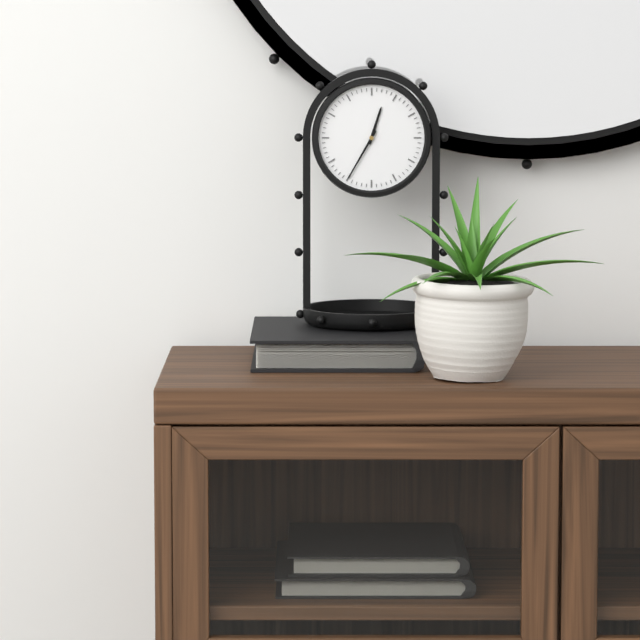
12:35
